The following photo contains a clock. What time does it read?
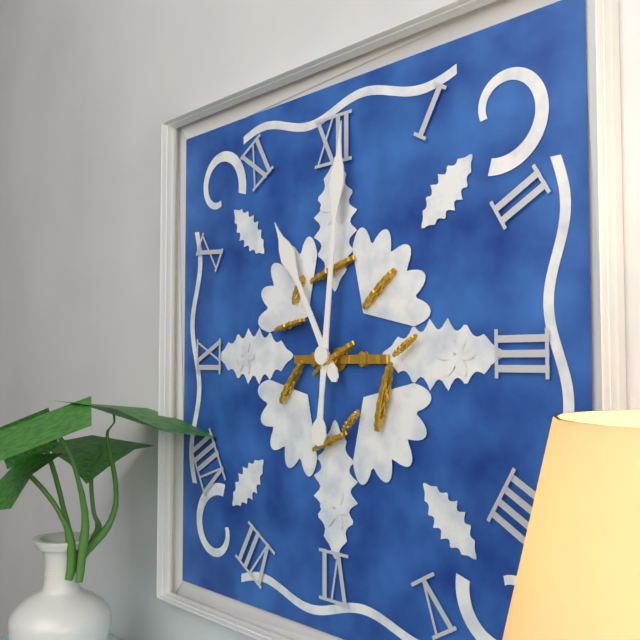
11:01
